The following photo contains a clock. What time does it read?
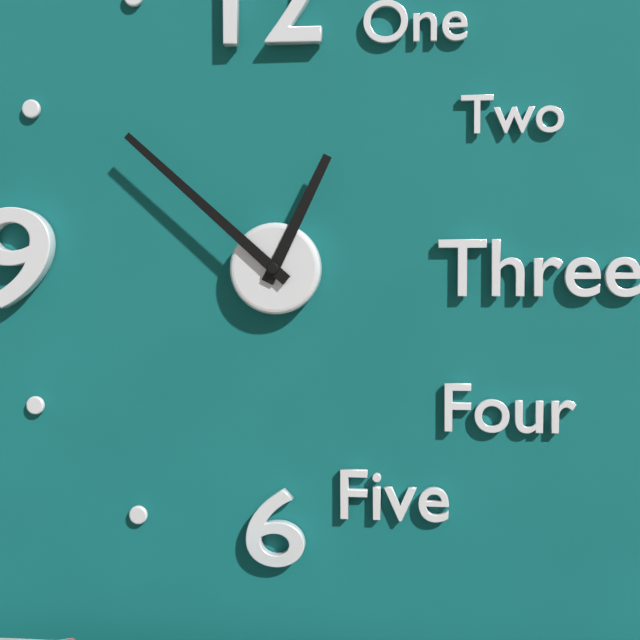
12:52
